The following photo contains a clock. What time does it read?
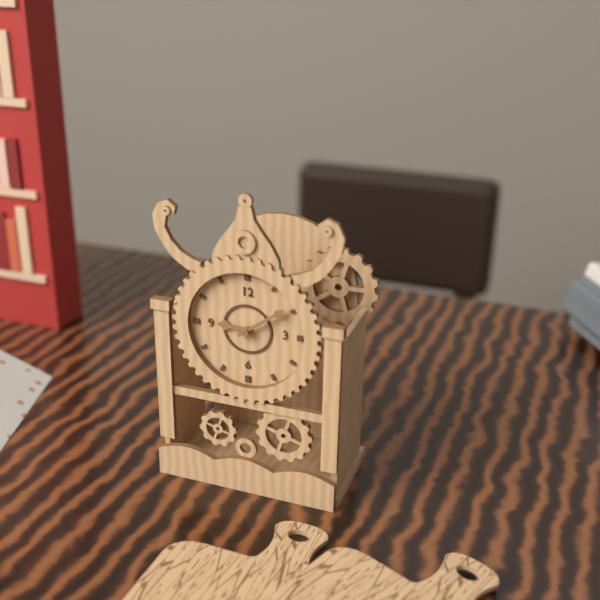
9:09
